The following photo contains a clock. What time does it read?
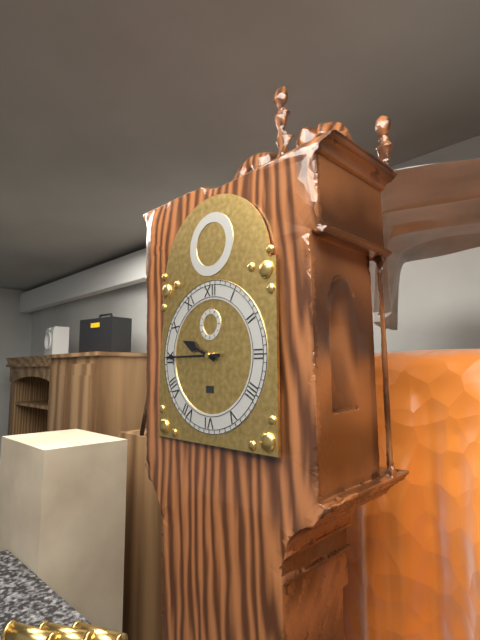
9:45
